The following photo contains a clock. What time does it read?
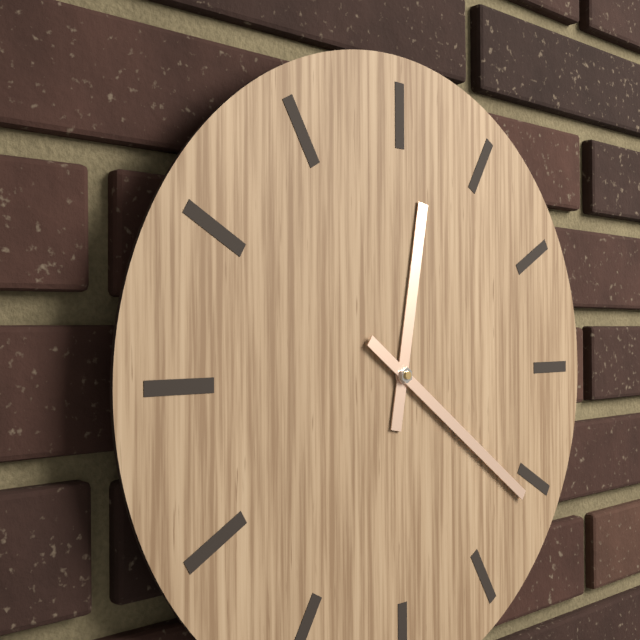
12:21
